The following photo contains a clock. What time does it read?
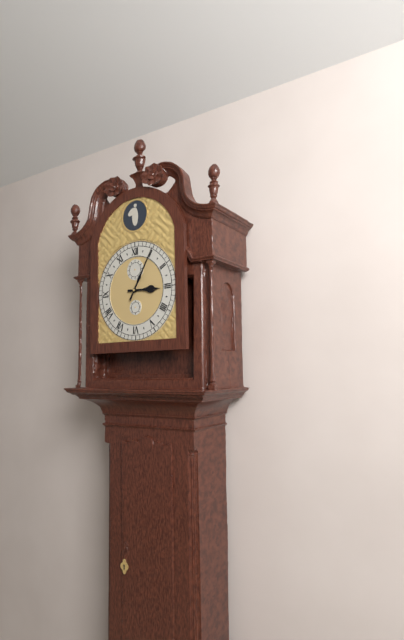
3:05
